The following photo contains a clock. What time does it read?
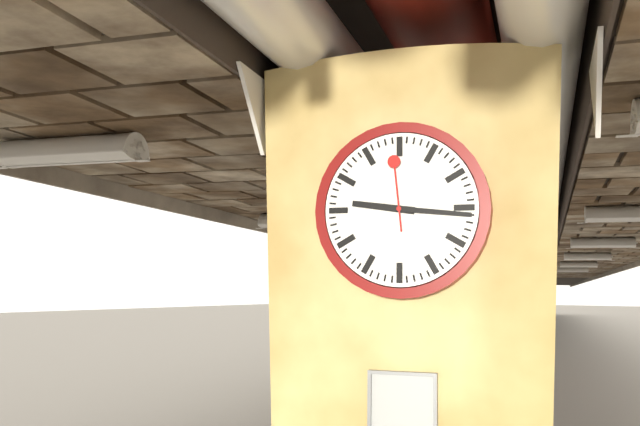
9:16:59
